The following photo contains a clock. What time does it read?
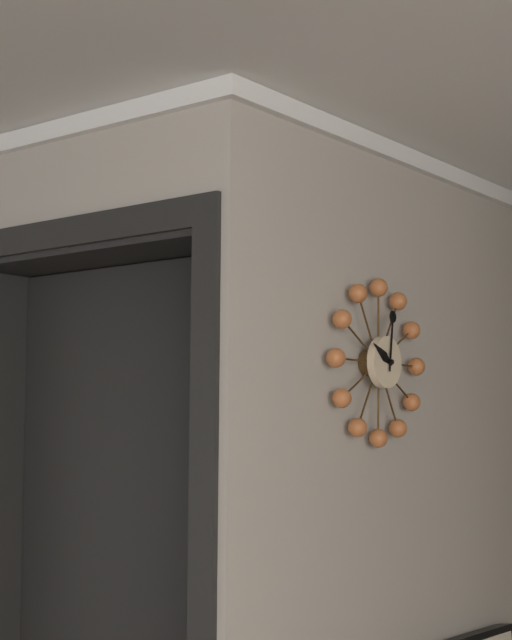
10:01
